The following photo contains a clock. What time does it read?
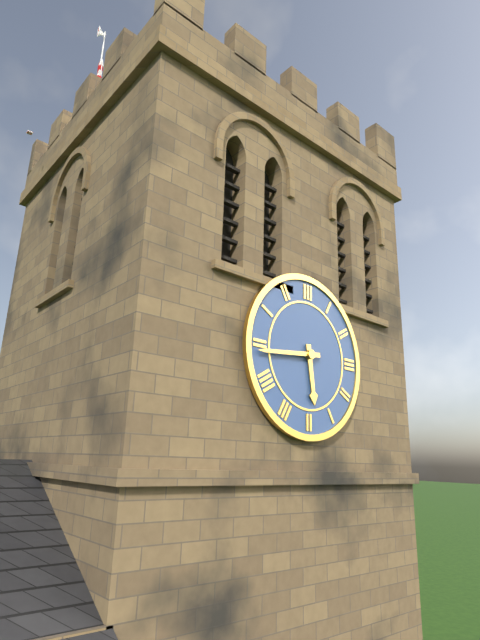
5:44
